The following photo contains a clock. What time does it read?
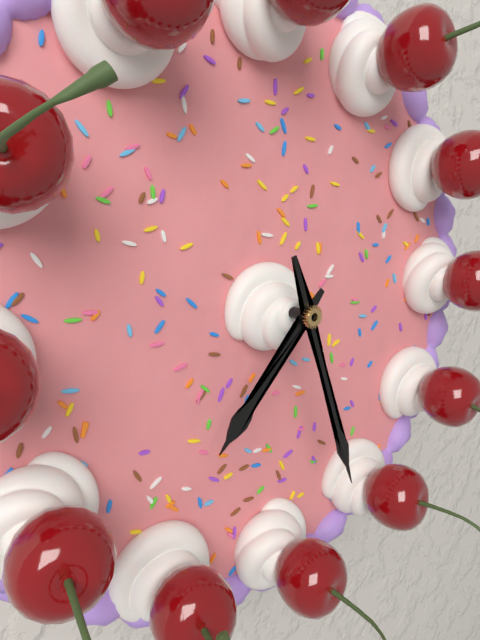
7:27
